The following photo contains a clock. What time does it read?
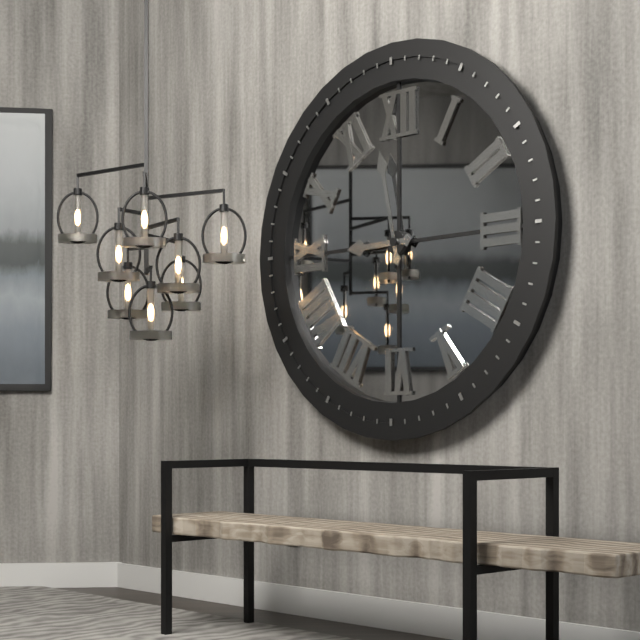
8:58
